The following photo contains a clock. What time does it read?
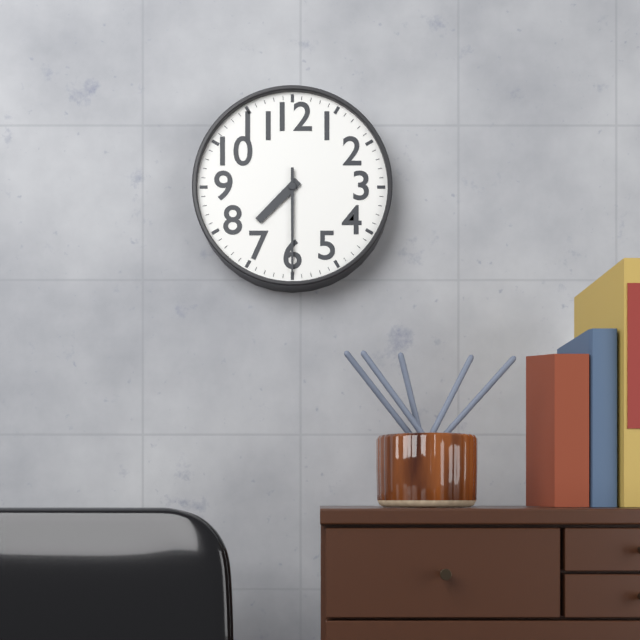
7:30
